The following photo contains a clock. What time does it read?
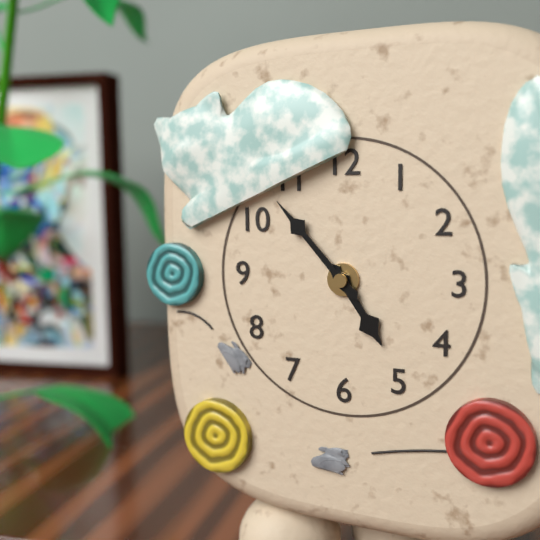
4:53
